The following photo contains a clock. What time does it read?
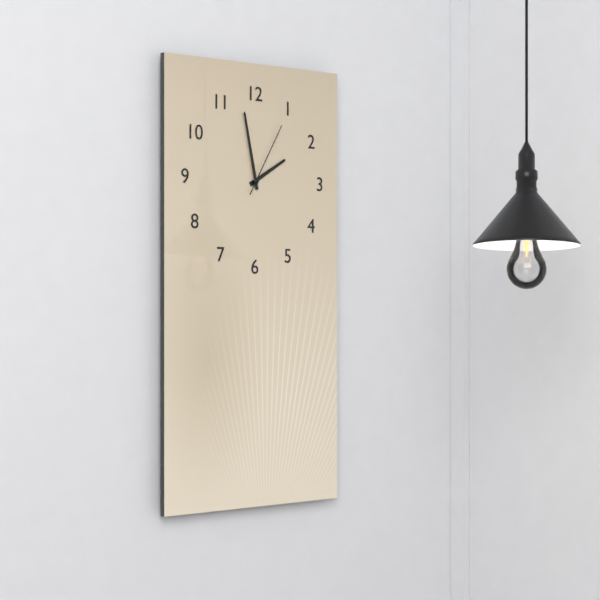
1:58:05
